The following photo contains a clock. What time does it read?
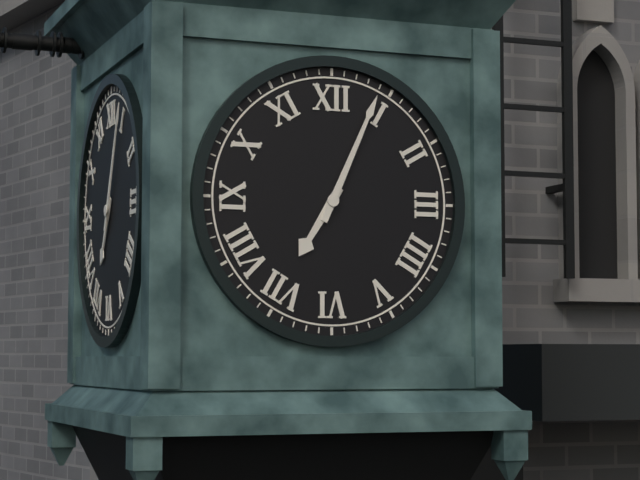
7:04
